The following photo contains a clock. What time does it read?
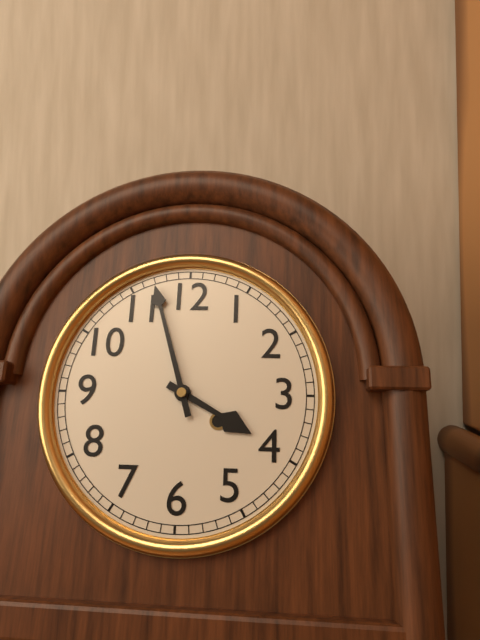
3:57
